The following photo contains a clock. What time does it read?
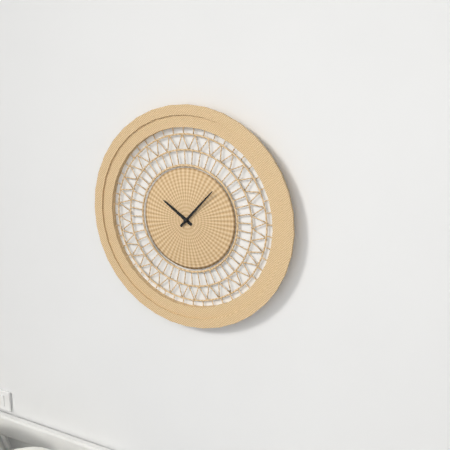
10:07
